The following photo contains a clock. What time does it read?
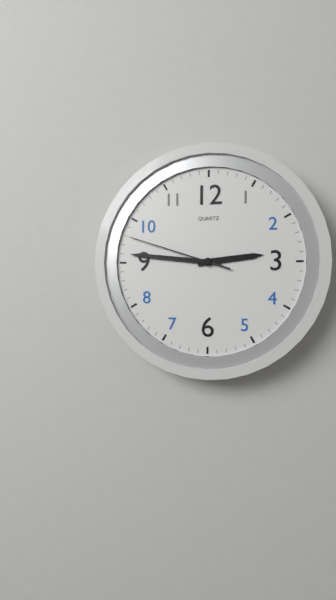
2:46:48
